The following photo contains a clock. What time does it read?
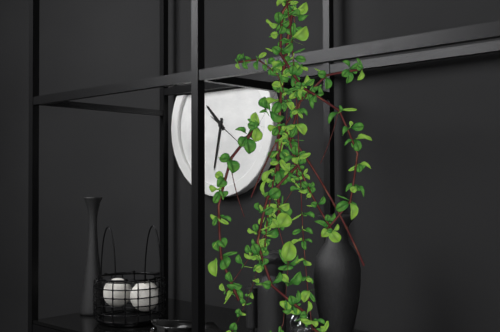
10:32
